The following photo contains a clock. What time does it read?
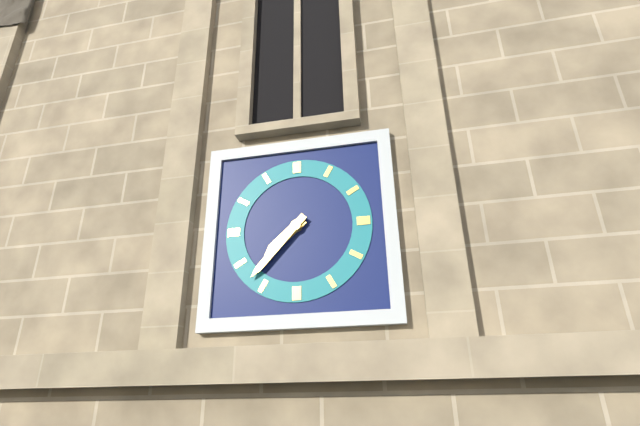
7:37
